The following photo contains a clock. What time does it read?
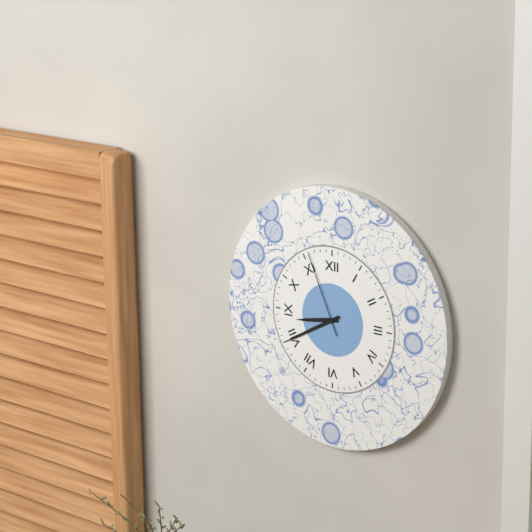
8:40:56
